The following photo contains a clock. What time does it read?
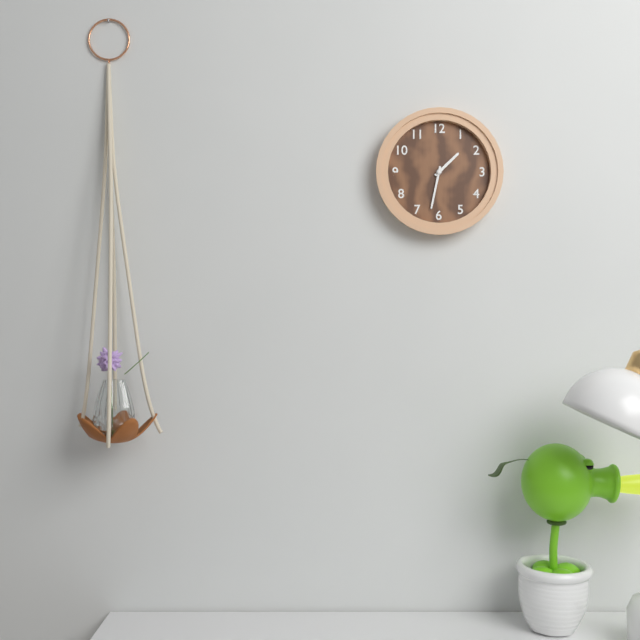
1:32
